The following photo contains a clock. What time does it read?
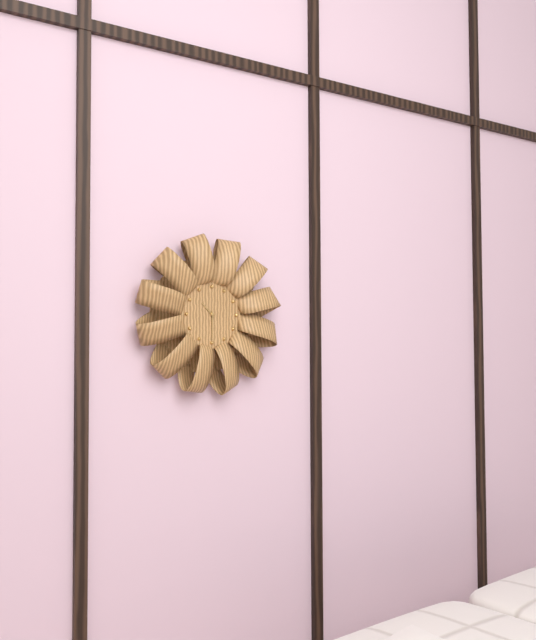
10:30
